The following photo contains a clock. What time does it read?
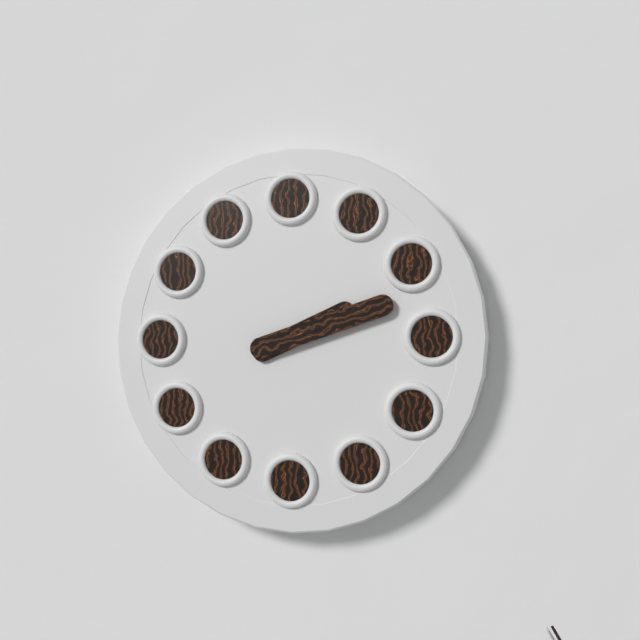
2:12
